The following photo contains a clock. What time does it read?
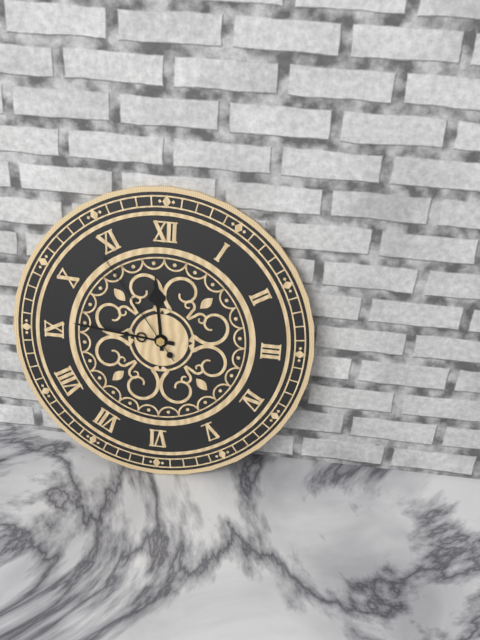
11:46:54
